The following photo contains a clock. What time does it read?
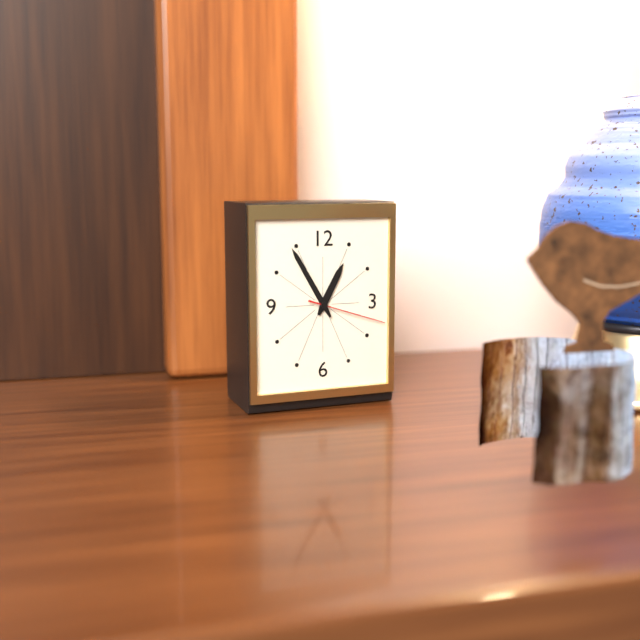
12:55:18
